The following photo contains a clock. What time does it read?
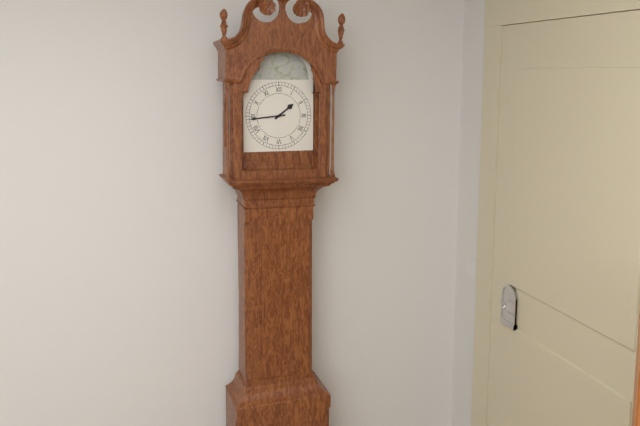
1:44
